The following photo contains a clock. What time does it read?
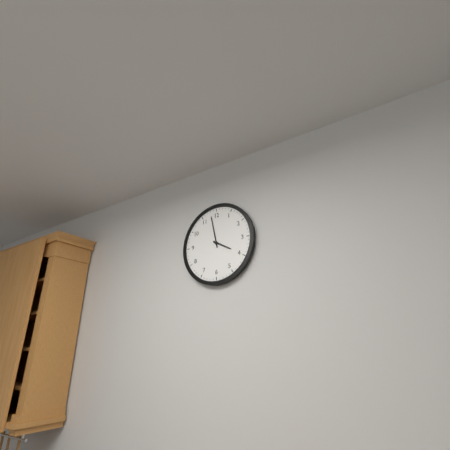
3:58
